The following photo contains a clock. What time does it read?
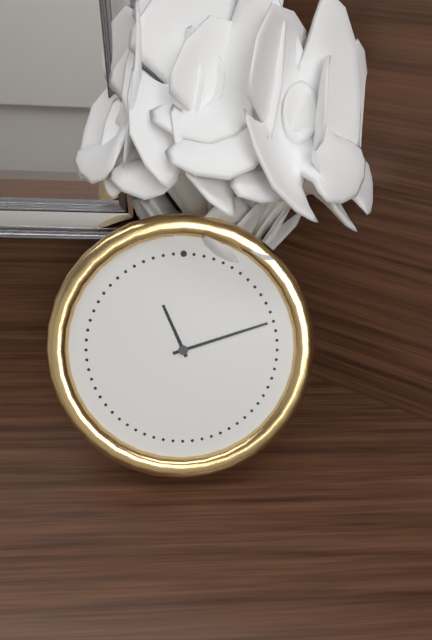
11:12
